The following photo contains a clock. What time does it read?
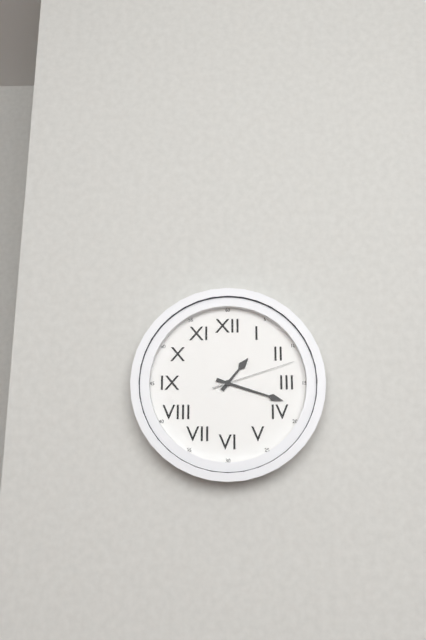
1:18:12
